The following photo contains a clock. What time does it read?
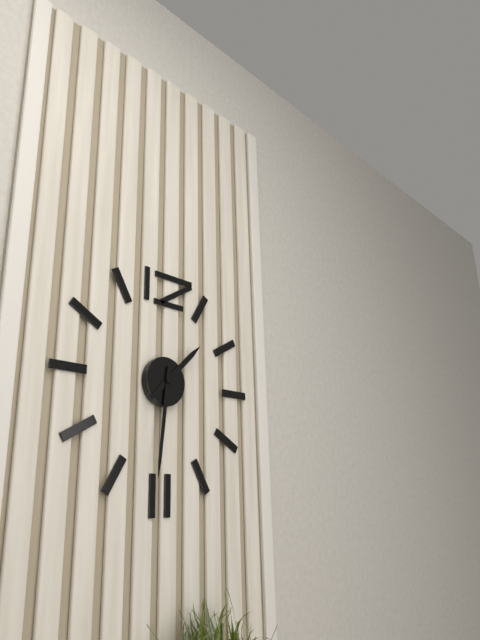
1:31
